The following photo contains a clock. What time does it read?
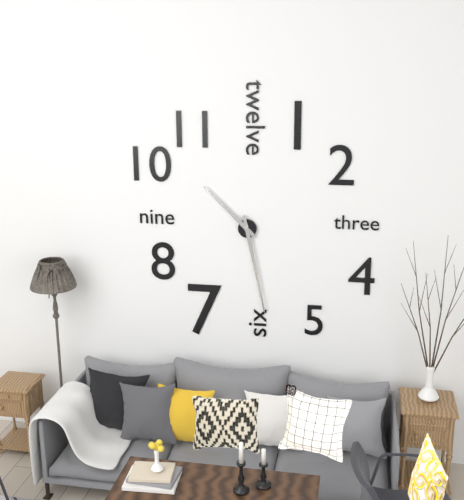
10:28
